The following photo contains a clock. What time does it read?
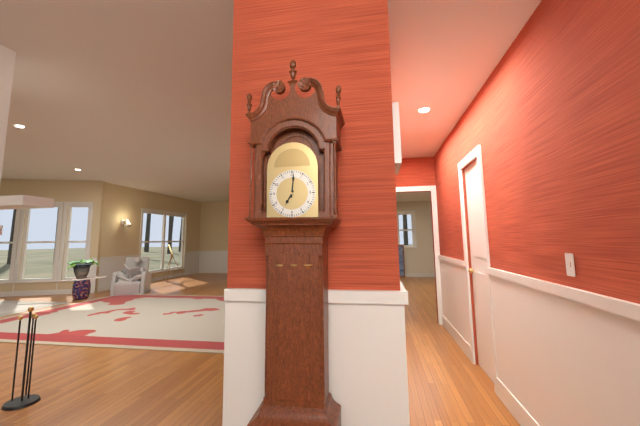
7:01
